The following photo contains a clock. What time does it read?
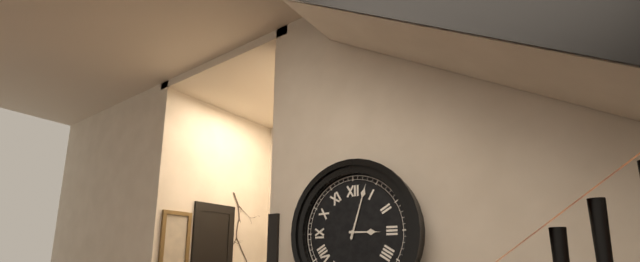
3:03
